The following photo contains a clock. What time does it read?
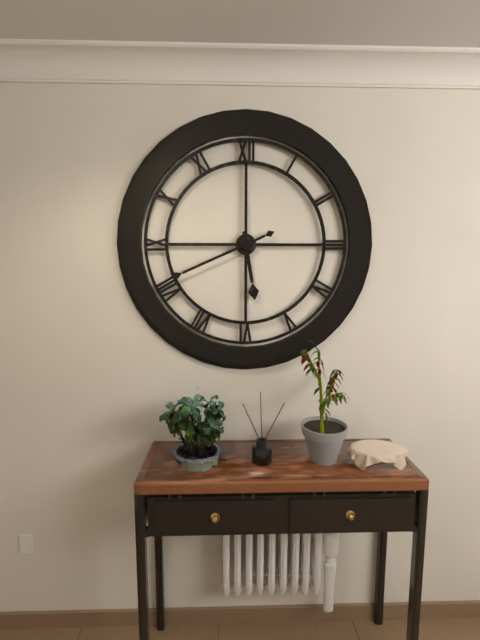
5:41
